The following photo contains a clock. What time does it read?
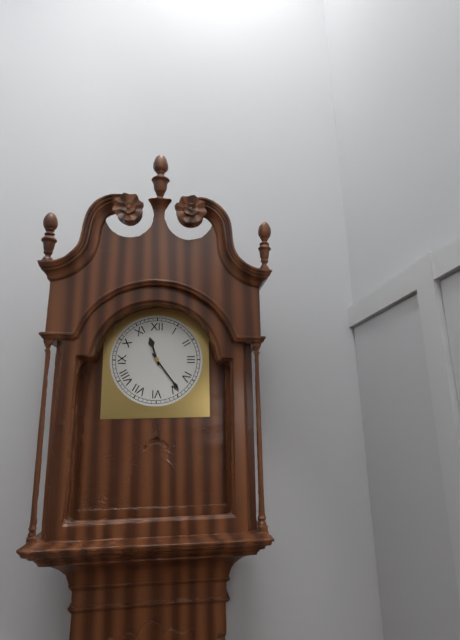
11:24
